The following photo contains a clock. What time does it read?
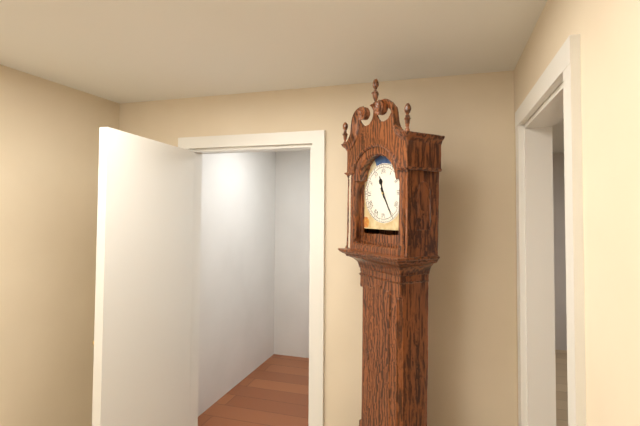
11:25
